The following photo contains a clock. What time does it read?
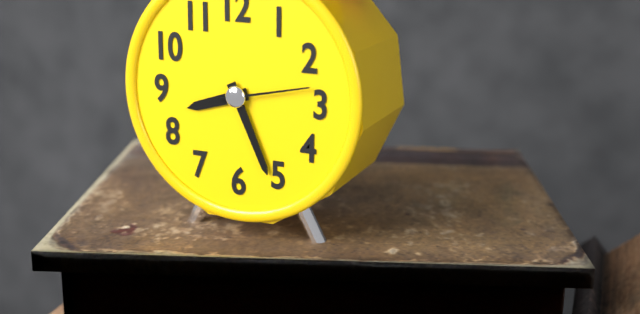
8:26:13
